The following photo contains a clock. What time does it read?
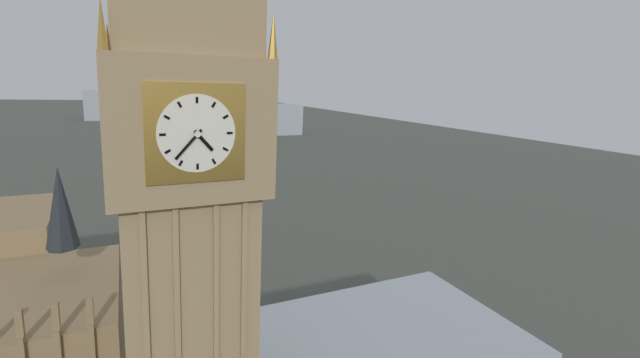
4:37
